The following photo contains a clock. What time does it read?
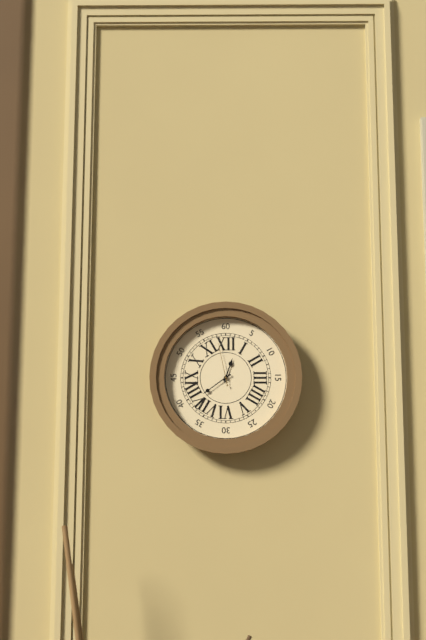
12:39
